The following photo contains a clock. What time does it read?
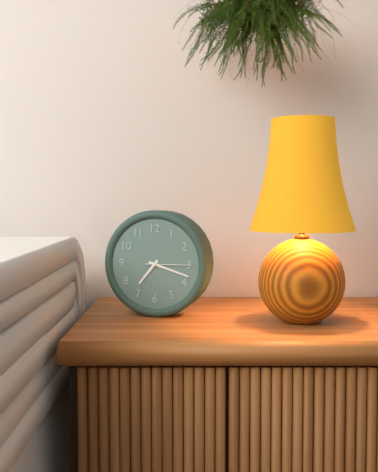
7:18
